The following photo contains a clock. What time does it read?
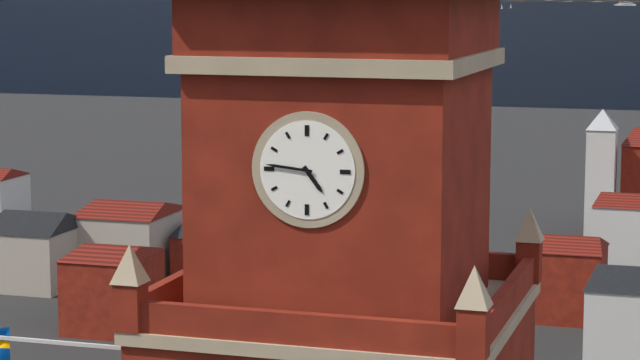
4:46
